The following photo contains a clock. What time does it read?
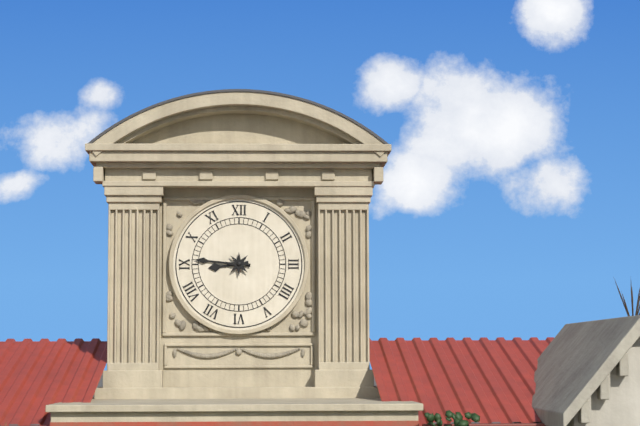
8:46
